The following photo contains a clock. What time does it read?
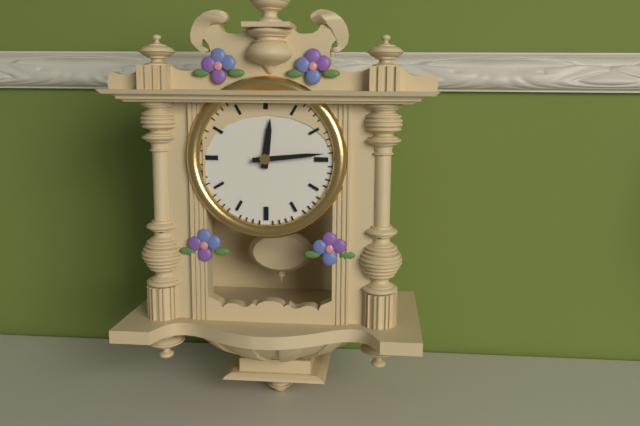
12:14
